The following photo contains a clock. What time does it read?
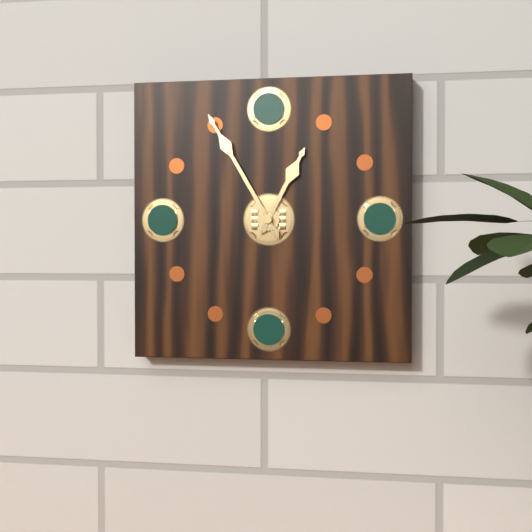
12:55
